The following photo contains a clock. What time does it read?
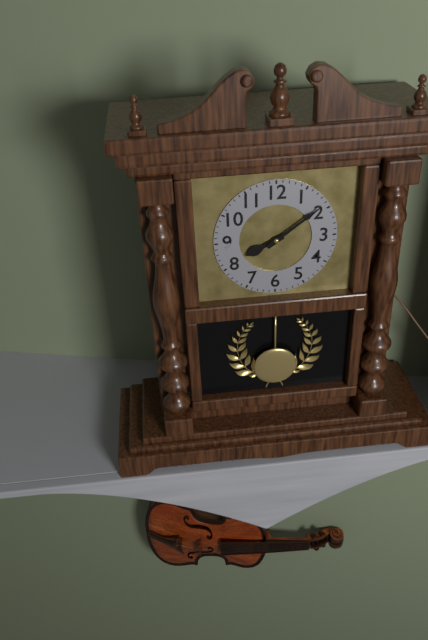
8:09
